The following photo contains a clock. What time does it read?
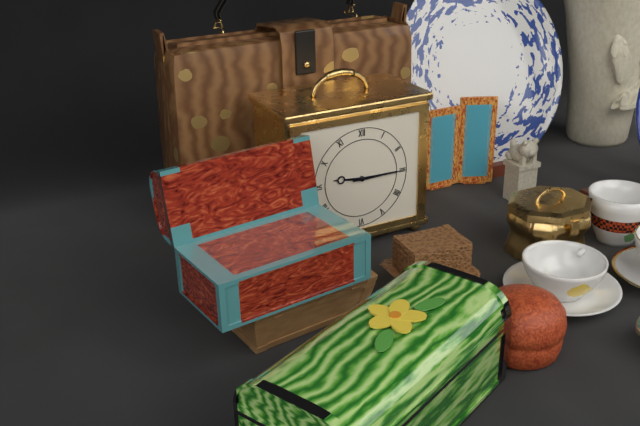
9:15
